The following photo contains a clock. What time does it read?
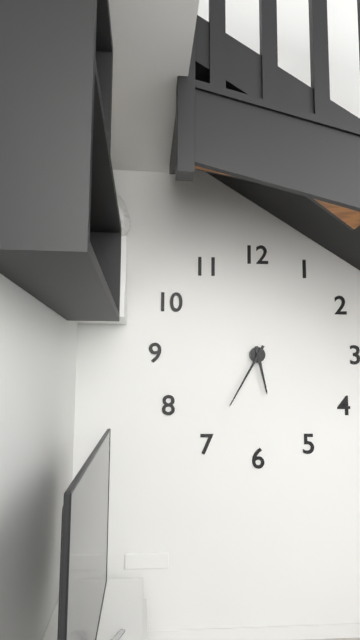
5:35
